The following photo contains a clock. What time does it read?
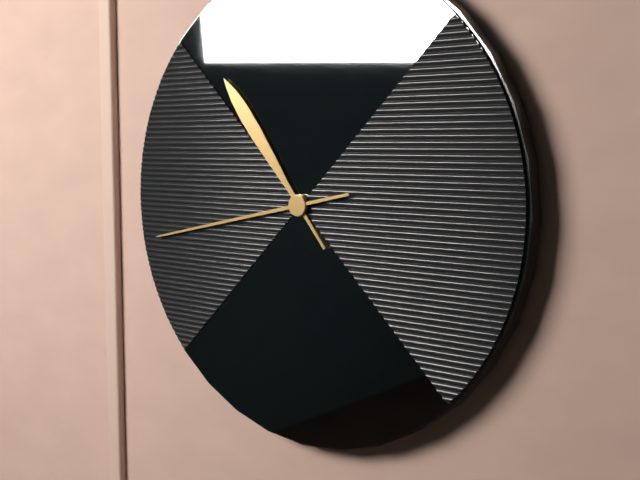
10:43
